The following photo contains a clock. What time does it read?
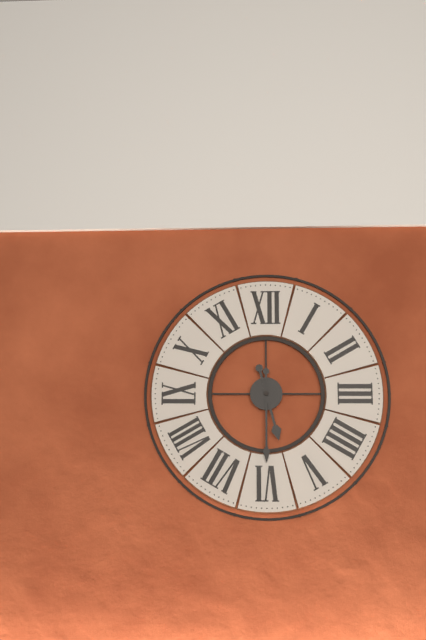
5:30
